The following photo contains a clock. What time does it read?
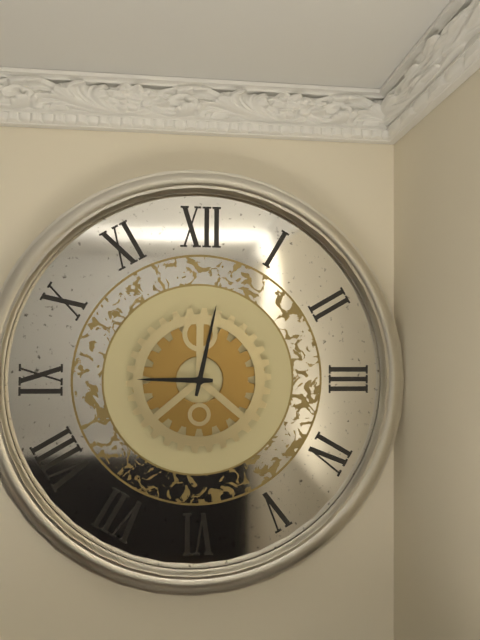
9:02
